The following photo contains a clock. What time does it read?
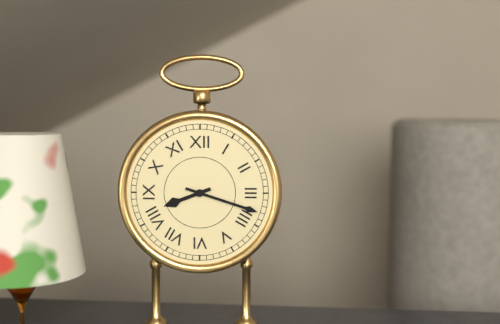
8:18
